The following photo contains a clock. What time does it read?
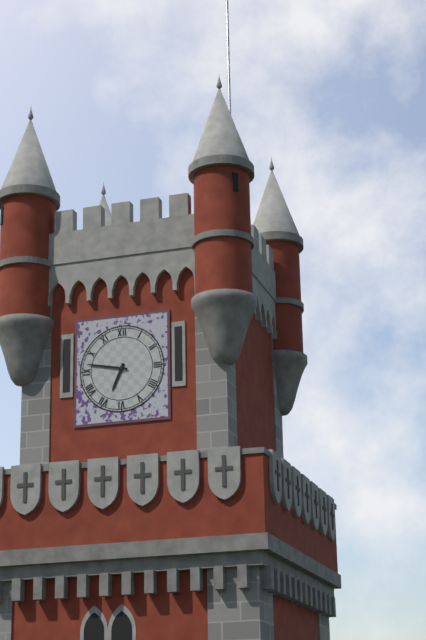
6:47
